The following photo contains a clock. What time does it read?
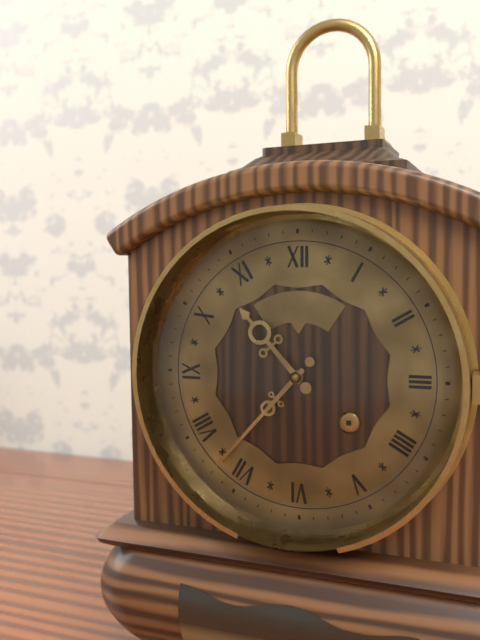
10:37
